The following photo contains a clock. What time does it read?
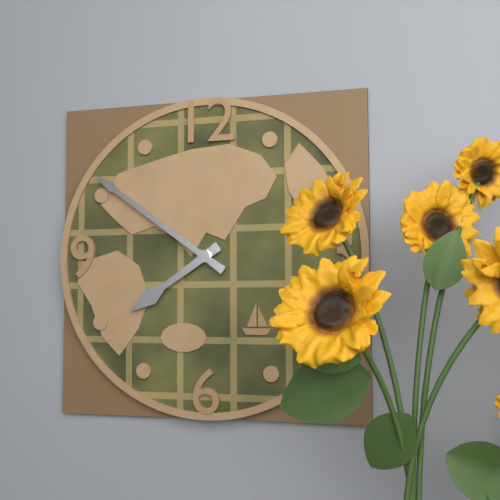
7:51
